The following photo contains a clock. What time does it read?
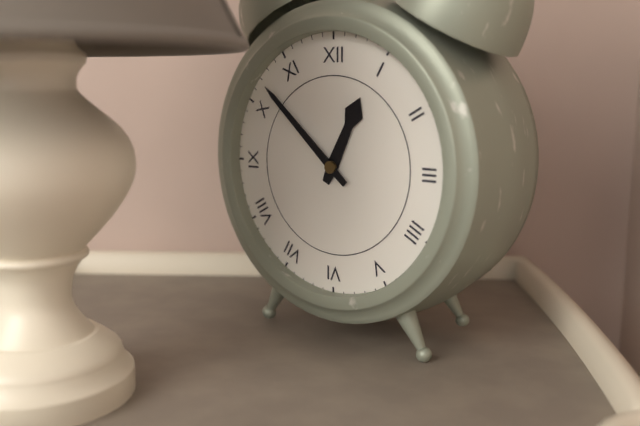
12:52
